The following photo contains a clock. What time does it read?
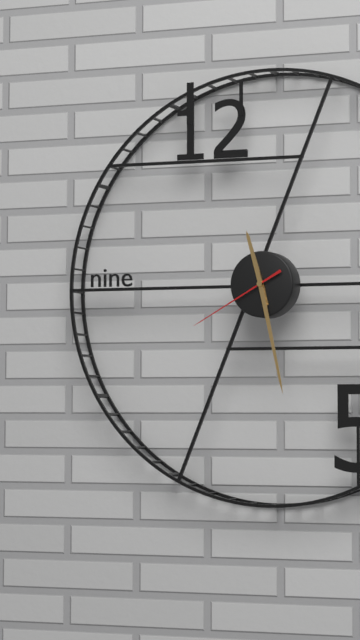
11:28:40
